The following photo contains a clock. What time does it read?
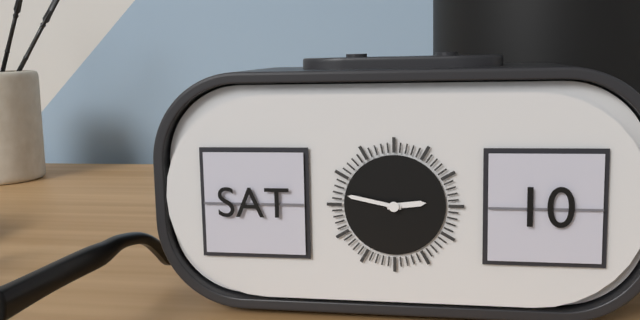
2:47
